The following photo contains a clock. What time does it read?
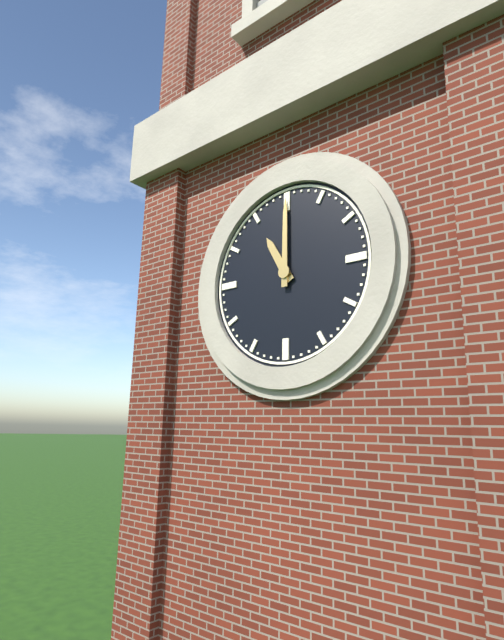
11:00
